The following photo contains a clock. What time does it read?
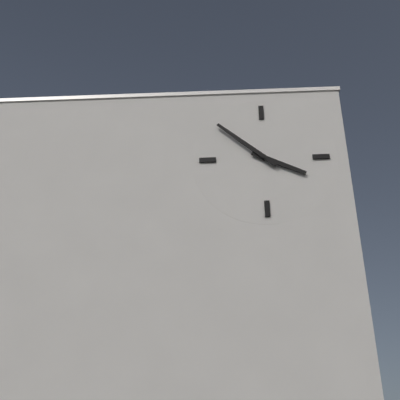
3:52
